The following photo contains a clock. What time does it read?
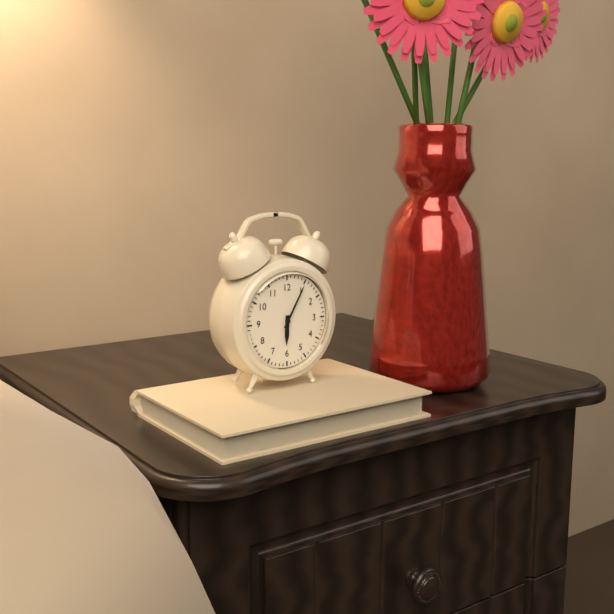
6:05
